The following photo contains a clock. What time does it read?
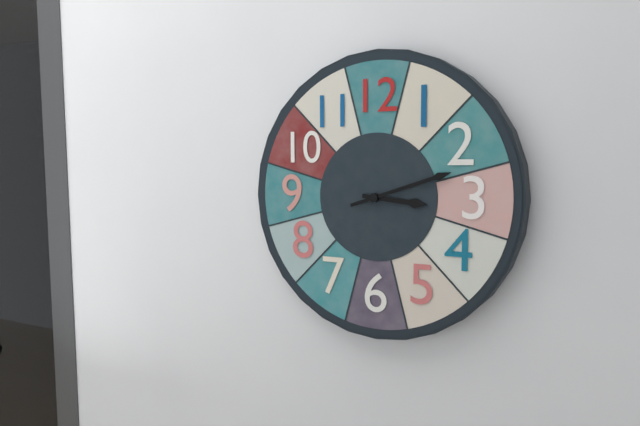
3:12
